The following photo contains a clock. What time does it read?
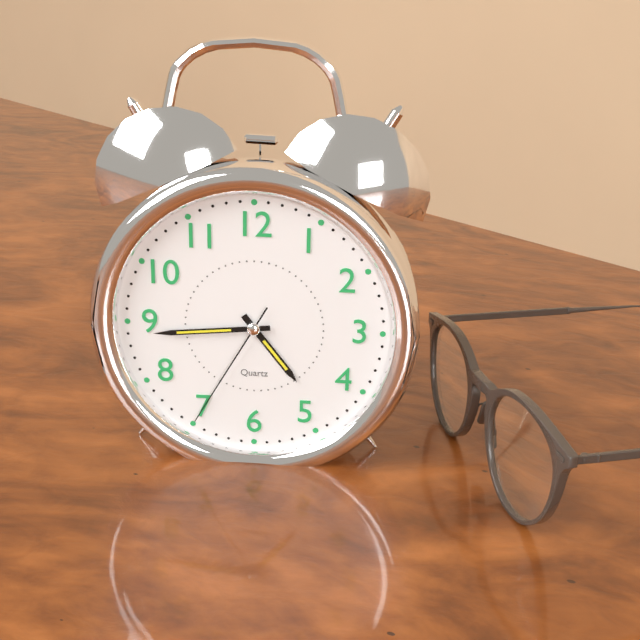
4:44:35
